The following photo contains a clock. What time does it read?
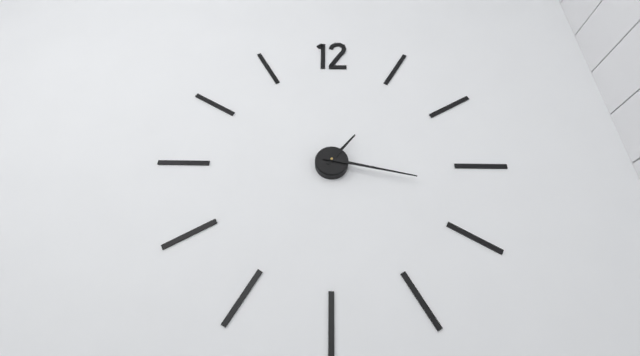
1:17
